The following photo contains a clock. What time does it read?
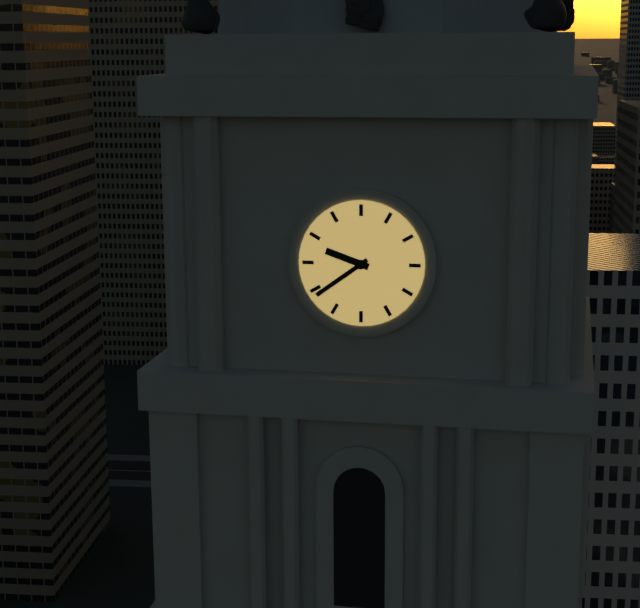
9:39
